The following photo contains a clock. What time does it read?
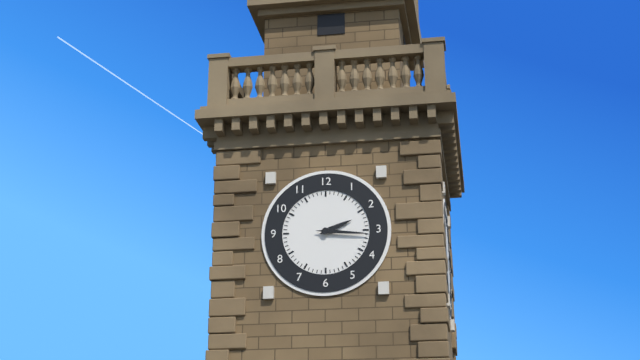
2:16
